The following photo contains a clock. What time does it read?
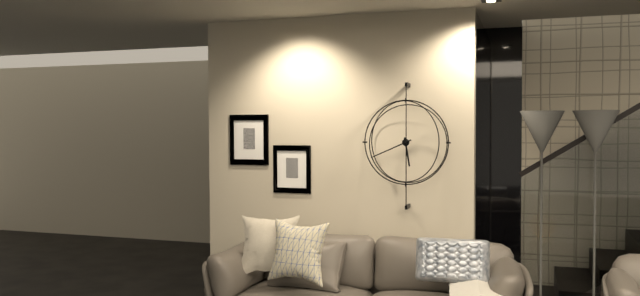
5:41
